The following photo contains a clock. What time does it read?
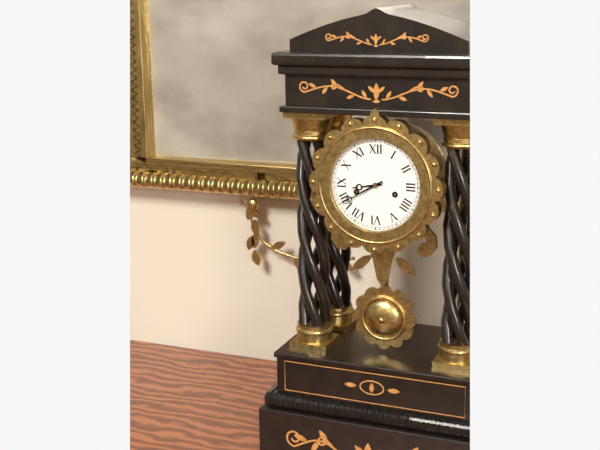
8:40
